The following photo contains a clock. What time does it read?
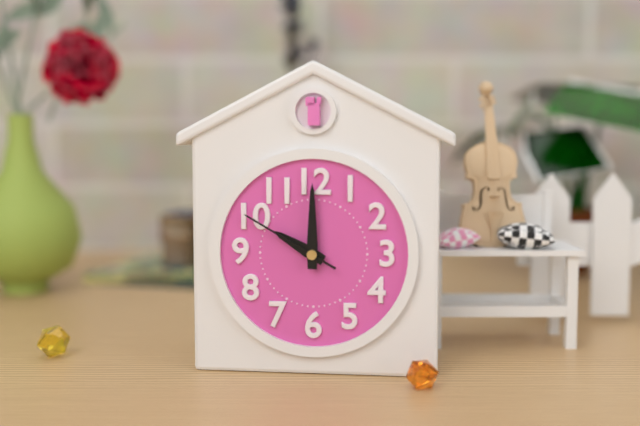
10:00:50
